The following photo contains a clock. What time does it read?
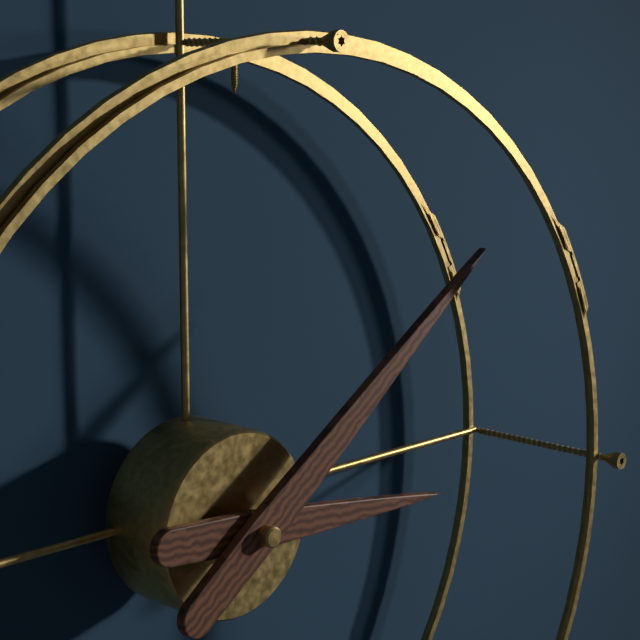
3:09
